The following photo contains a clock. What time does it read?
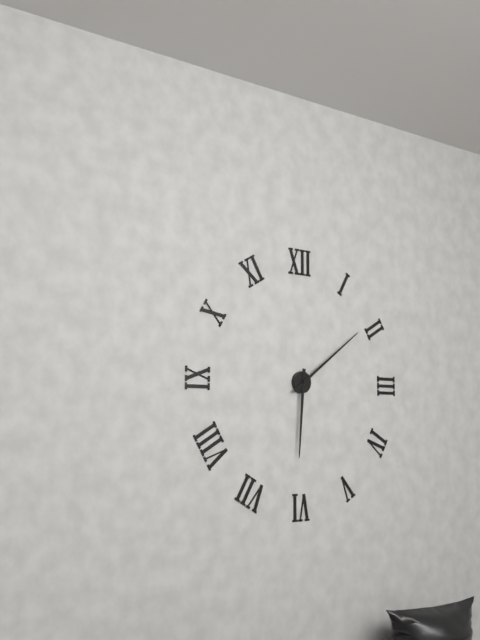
6:09
